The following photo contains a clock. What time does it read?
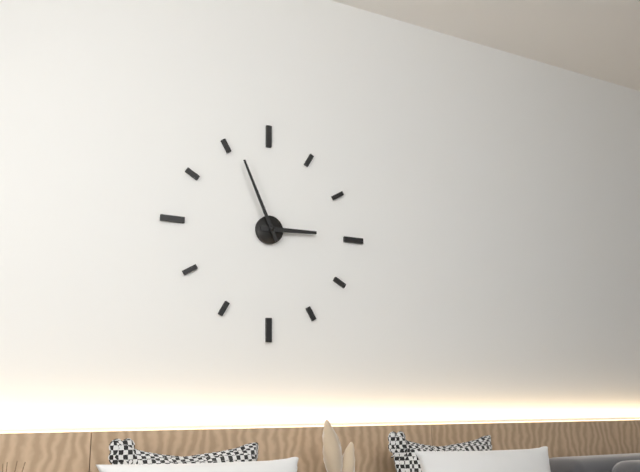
2:56
